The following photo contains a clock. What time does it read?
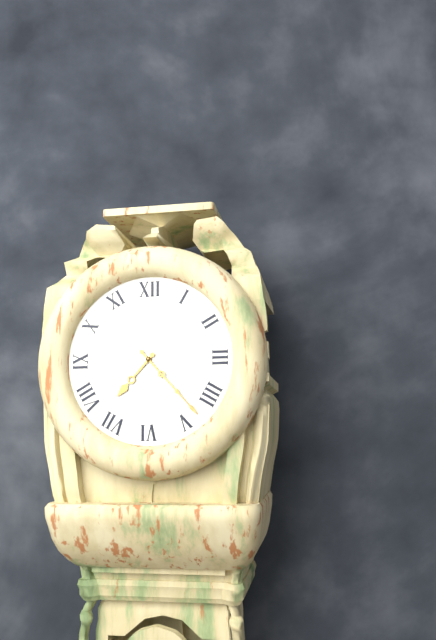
7:23
